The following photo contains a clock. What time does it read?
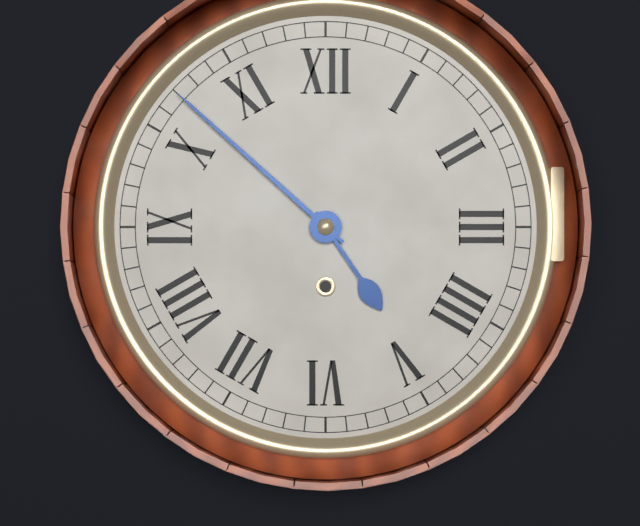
4:52
